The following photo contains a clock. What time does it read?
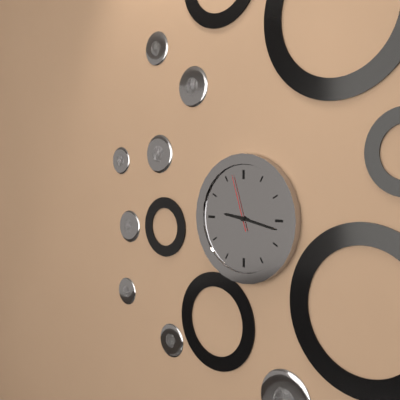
9:17:57
